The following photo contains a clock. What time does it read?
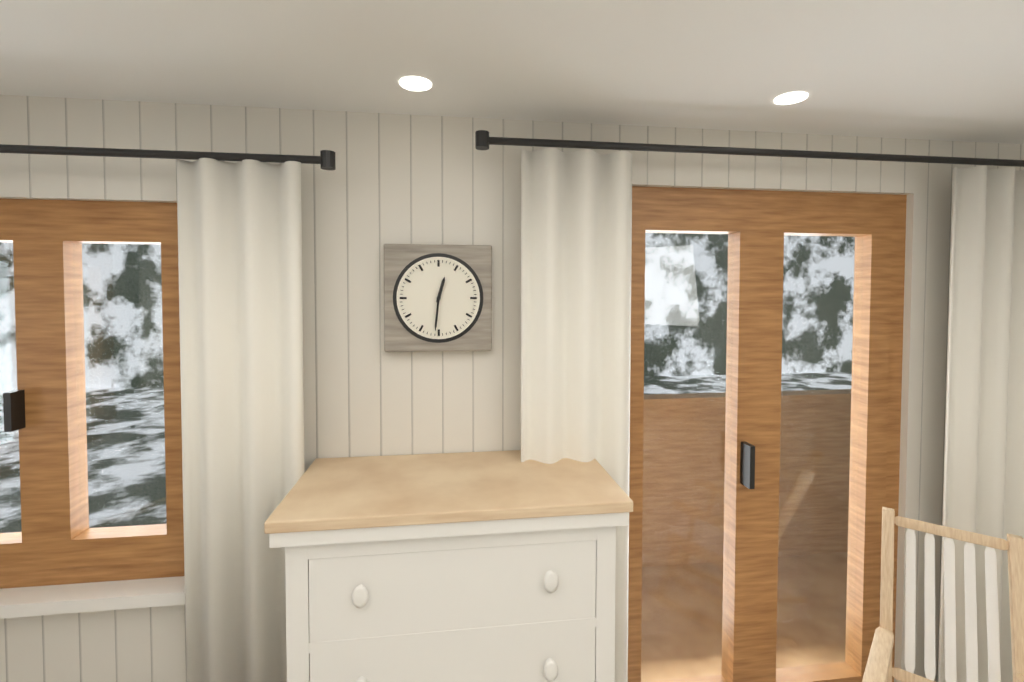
12:31
